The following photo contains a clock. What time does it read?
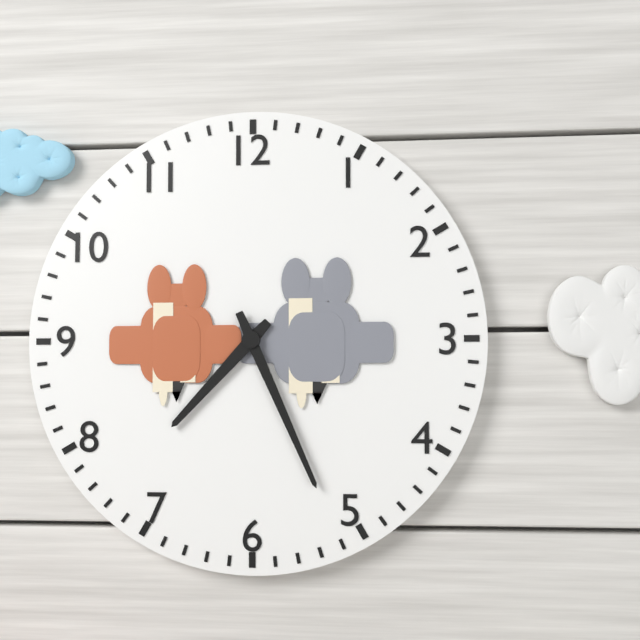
7:26
